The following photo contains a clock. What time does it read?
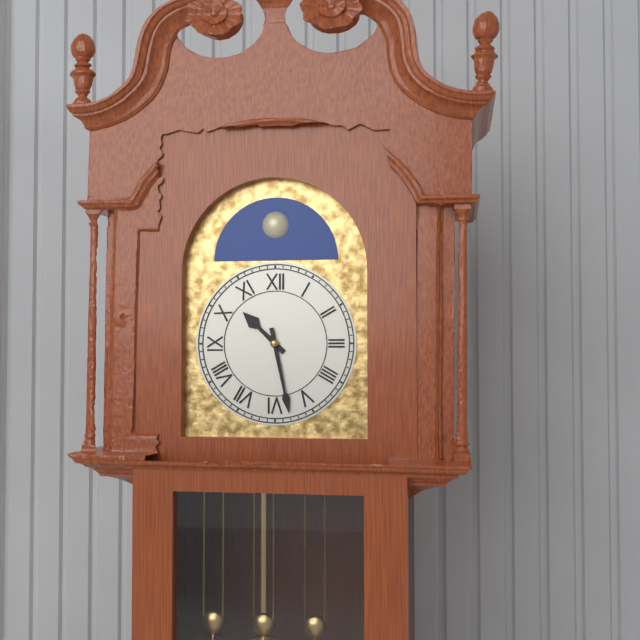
10:28
